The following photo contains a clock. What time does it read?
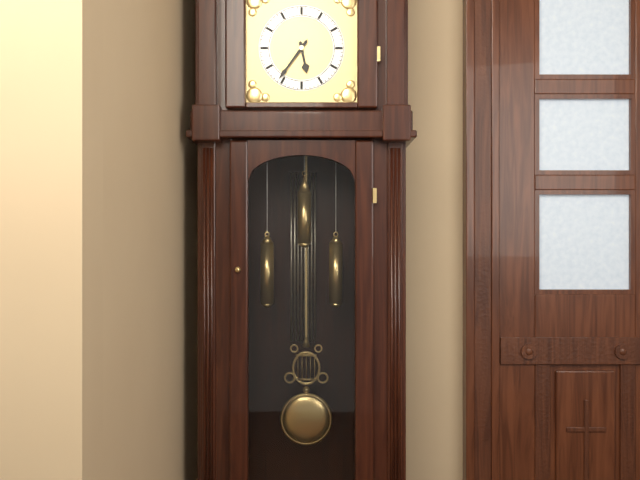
5:36
